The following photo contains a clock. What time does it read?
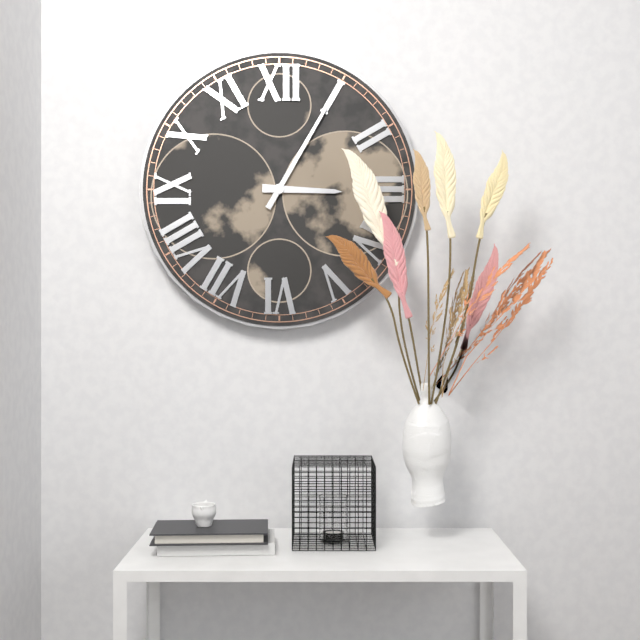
3:05
